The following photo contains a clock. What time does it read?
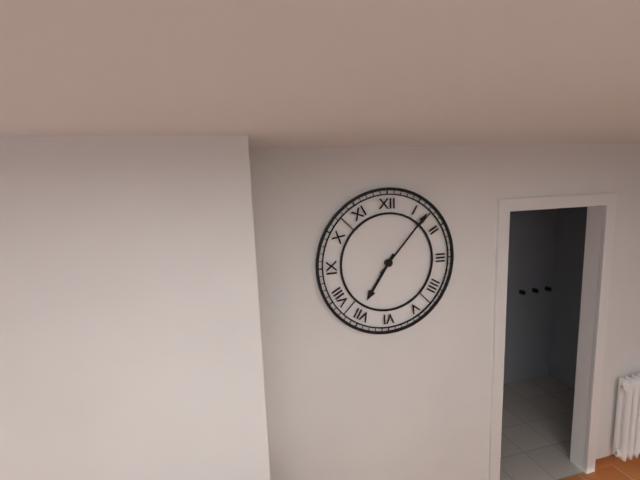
7:07
